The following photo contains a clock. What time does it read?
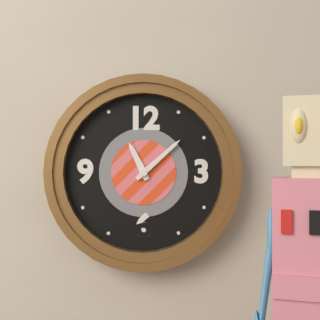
11:08
